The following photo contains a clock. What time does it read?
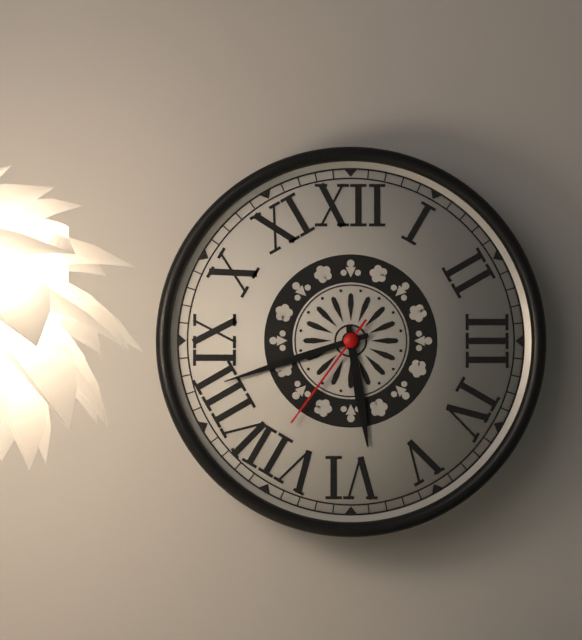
5:42:36
